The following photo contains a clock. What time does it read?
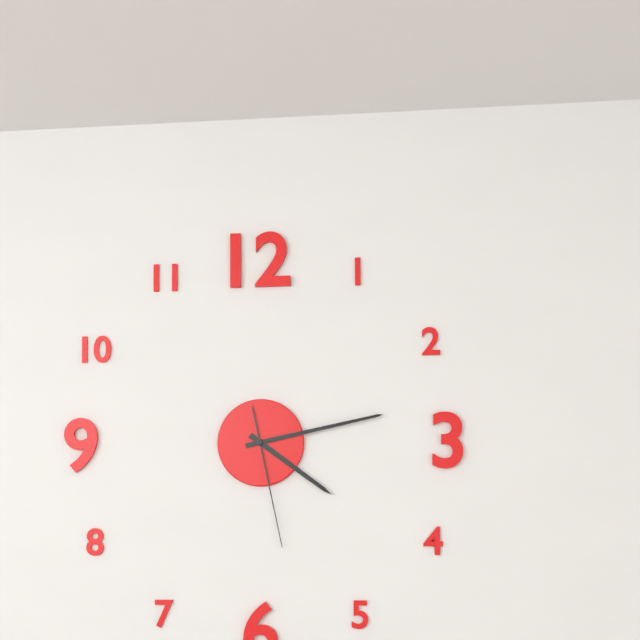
4:13:28
